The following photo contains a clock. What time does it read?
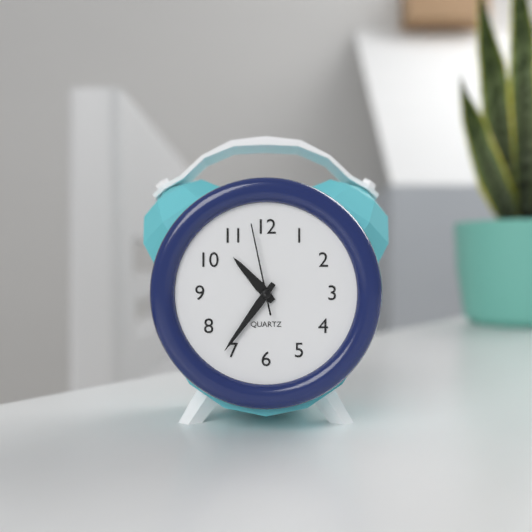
10:36:58
